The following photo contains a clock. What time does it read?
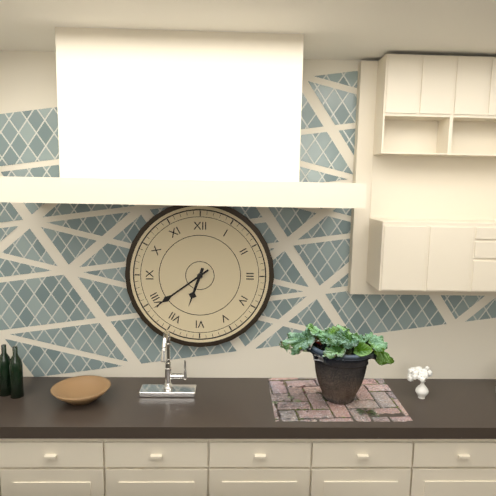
6:39
